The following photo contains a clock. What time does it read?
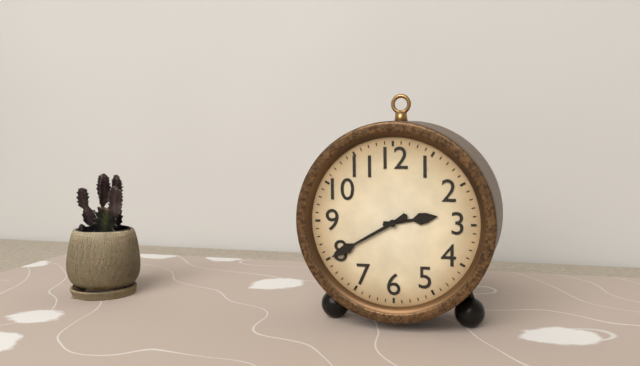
2:40
